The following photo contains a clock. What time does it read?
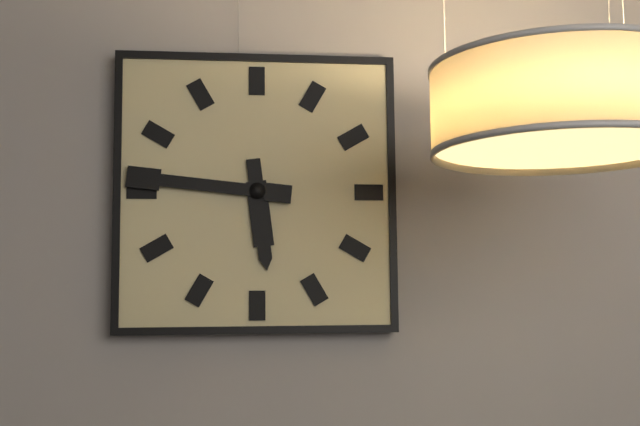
5:46
